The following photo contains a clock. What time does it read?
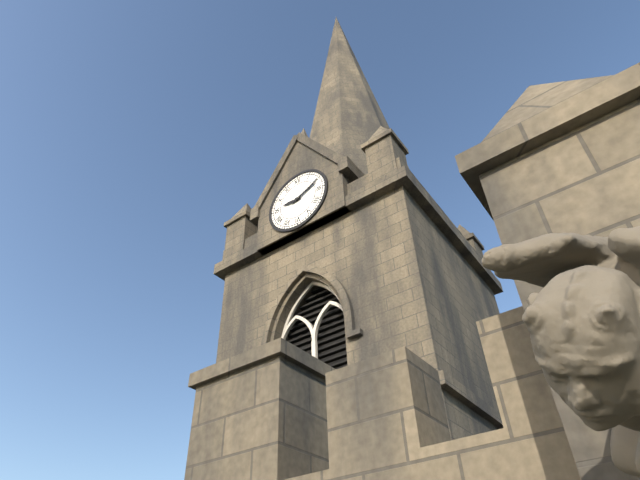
9:11
